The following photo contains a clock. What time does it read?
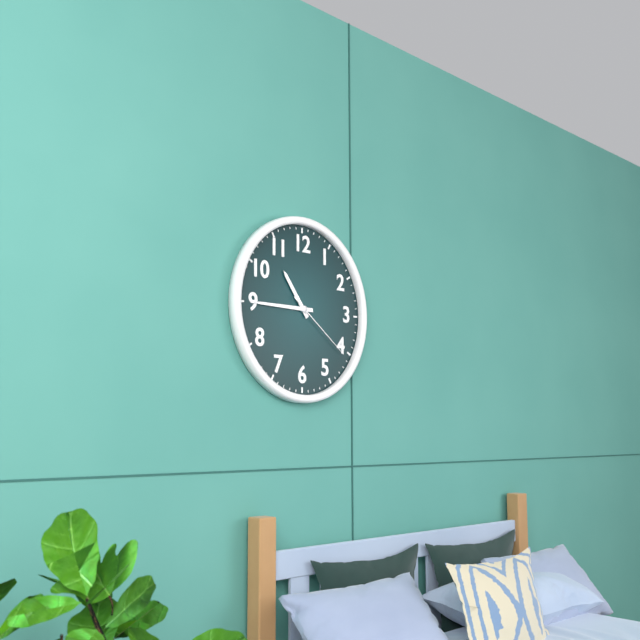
10:45:21
